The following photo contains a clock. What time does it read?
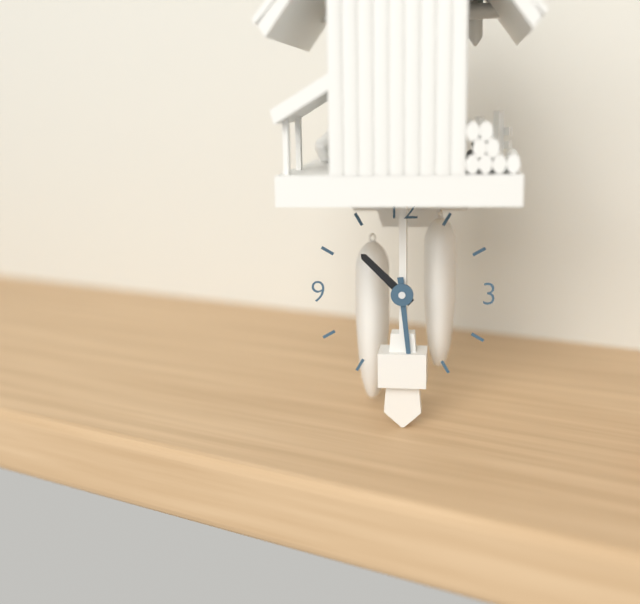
10:29
